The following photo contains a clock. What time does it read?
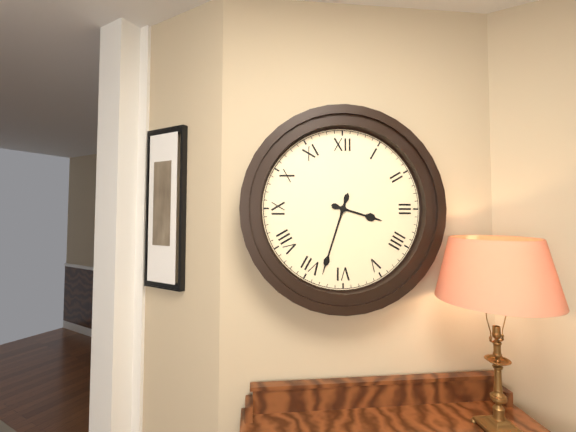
3:33
